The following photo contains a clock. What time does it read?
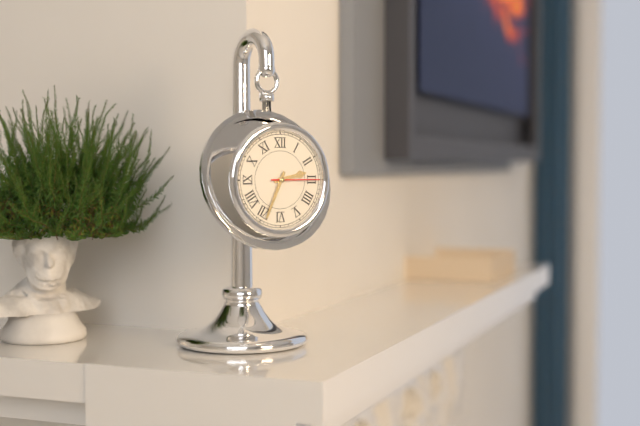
2:34
